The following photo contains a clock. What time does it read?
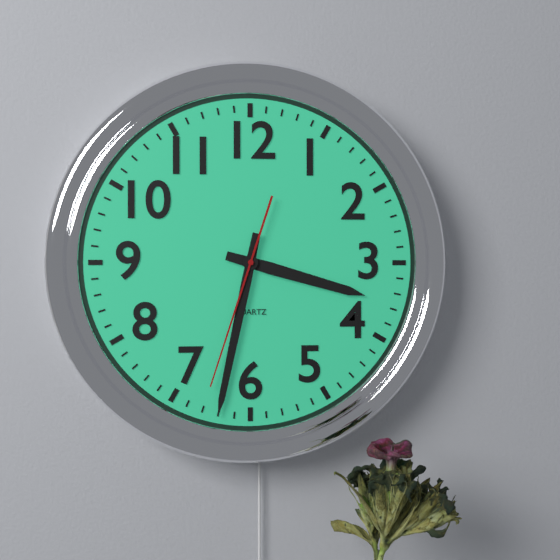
3:32:33
